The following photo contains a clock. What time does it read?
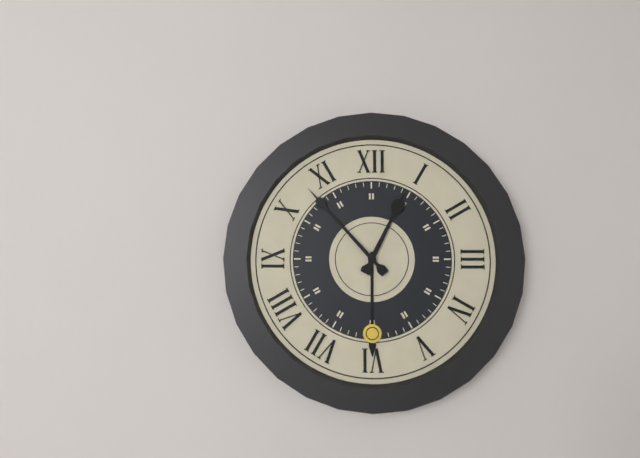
12:53
